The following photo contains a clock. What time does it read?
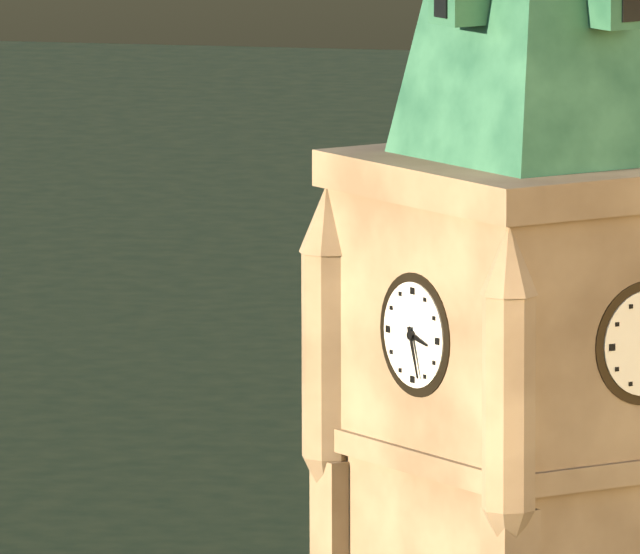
3:27
